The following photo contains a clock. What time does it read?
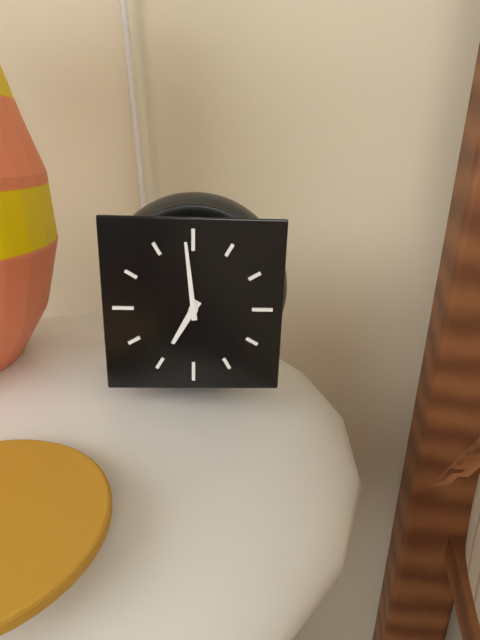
6:59
